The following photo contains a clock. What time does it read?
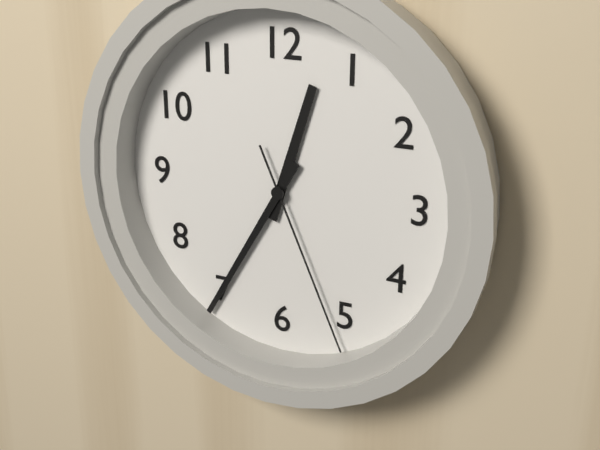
12:35:26
